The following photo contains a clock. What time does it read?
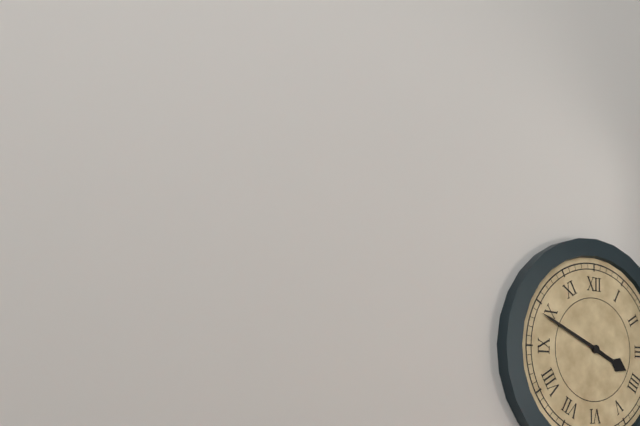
3:49
